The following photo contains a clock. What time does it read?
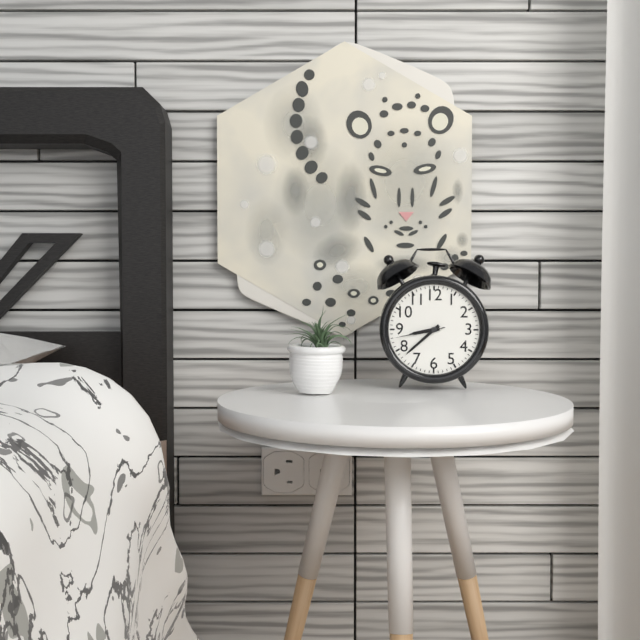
8:38:43
